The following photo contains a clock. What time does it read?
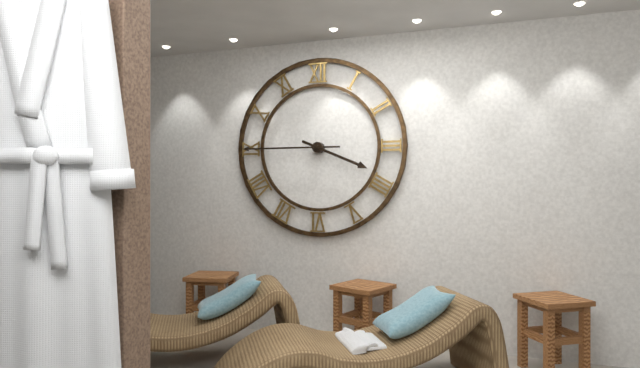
3:45
